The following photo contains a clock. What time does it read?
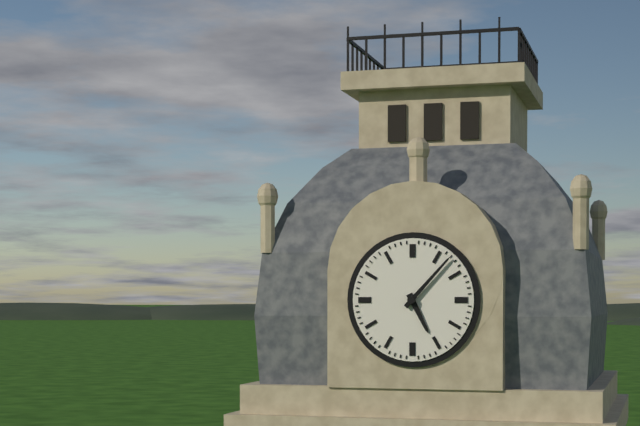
5:07
